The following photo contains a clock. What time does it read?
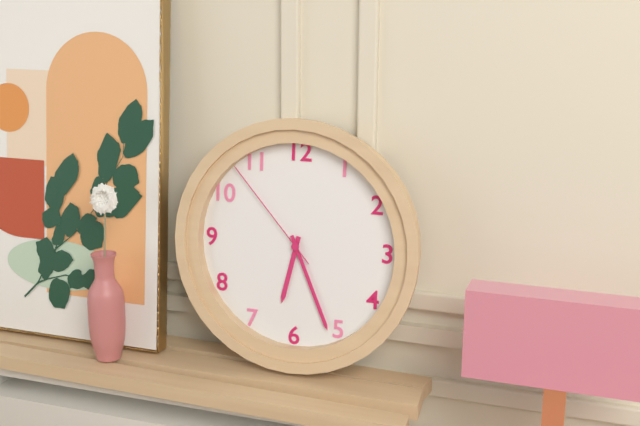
6:26:53
